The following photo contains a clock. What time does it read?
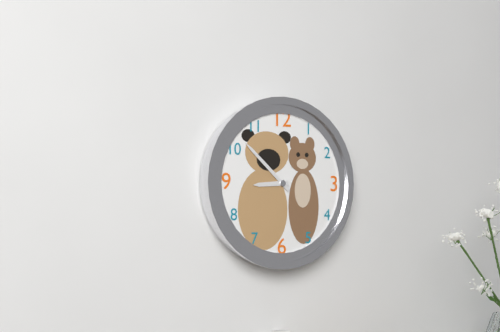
8:52
